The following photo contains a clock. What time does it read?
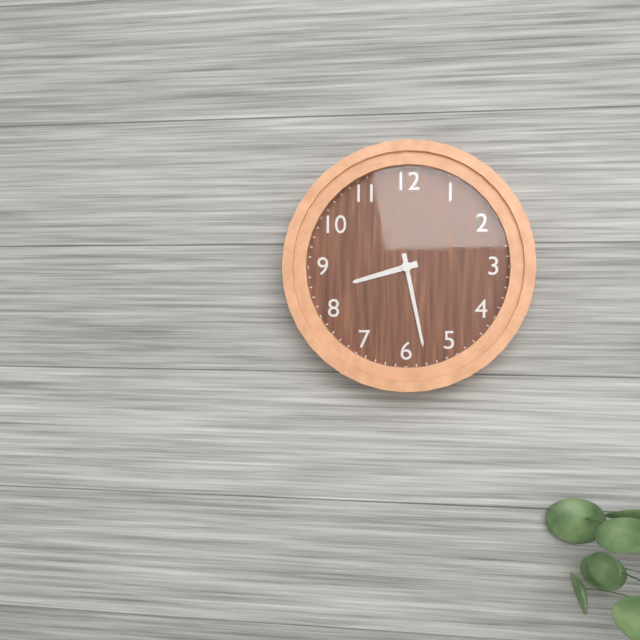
8:28
